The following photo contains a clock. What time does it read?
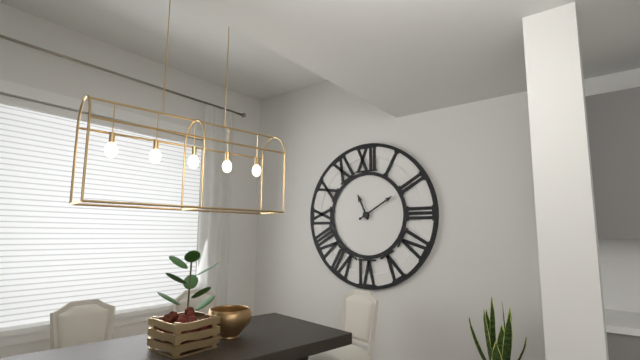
11:10
